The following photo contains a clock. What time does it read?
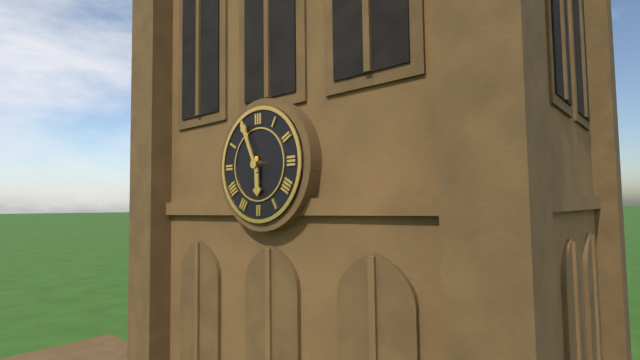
5:56
